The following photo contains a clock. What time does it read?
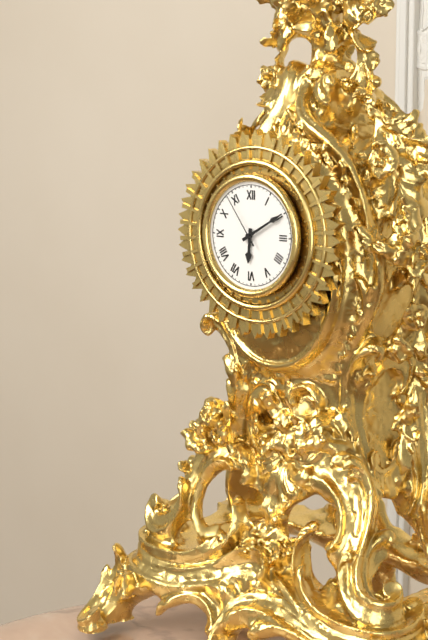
6:10:54
